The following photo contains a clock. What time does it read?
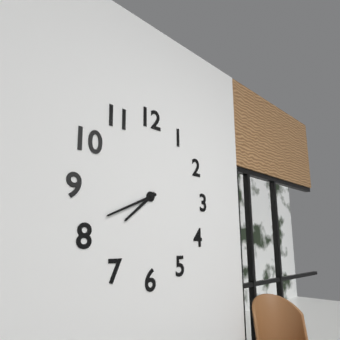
7:41
